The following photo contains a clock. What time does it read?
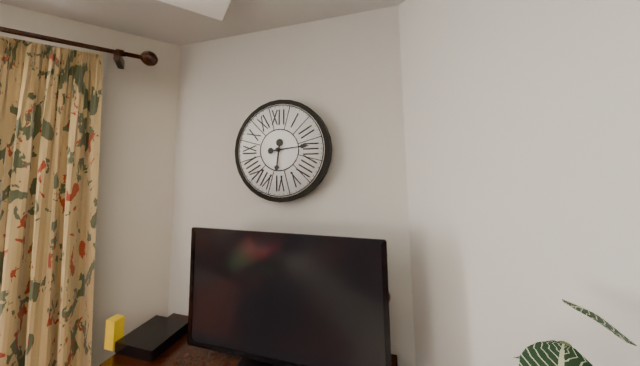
6:14
